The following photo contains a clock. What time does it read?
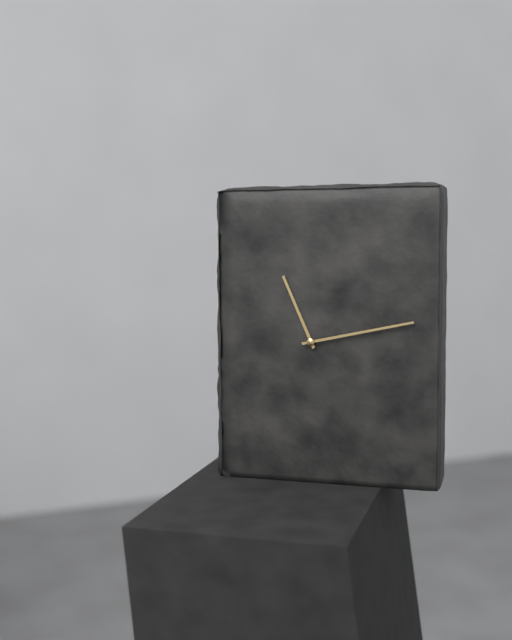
11:13
